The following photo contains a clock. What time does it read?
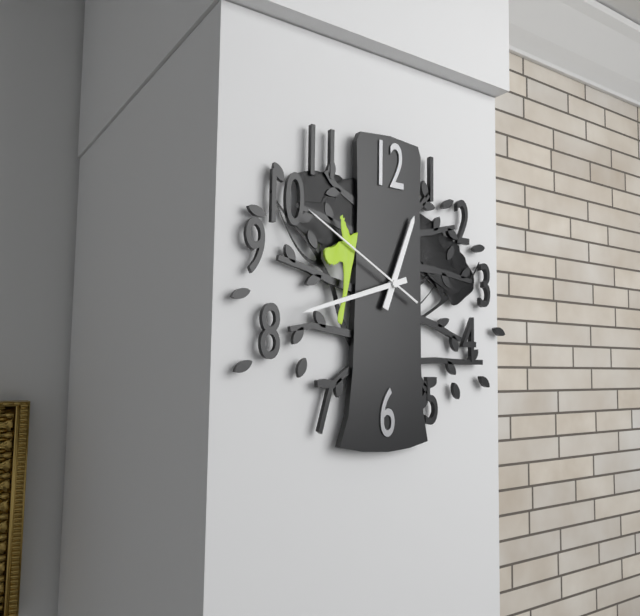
12:42:50
